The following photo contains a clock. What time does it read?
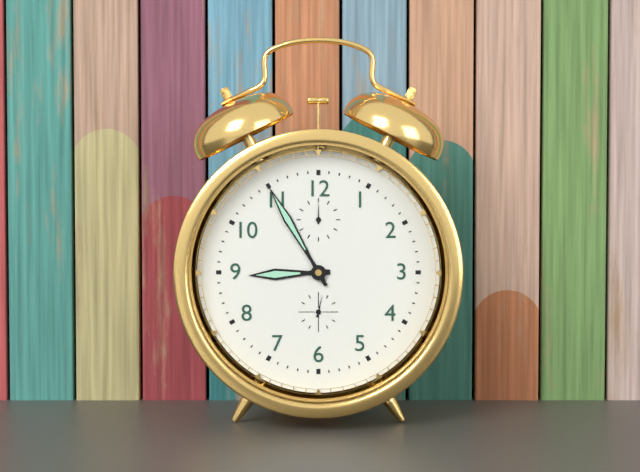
8:55
